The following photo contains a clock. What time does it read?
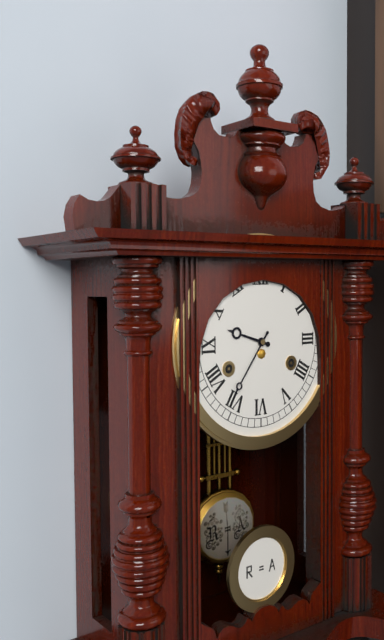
9:36
